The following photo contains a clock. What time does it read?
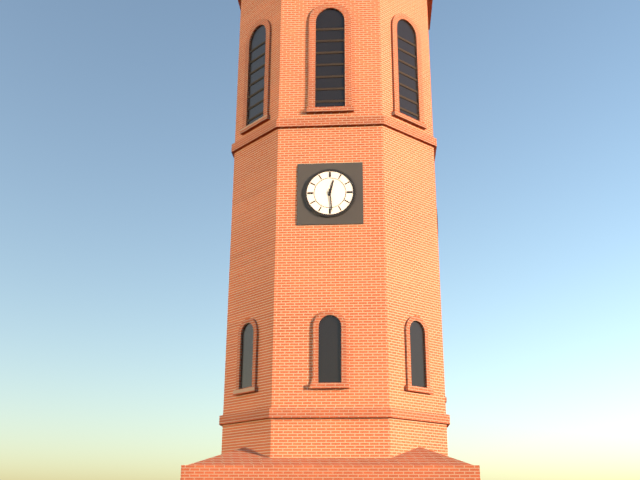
12:29
